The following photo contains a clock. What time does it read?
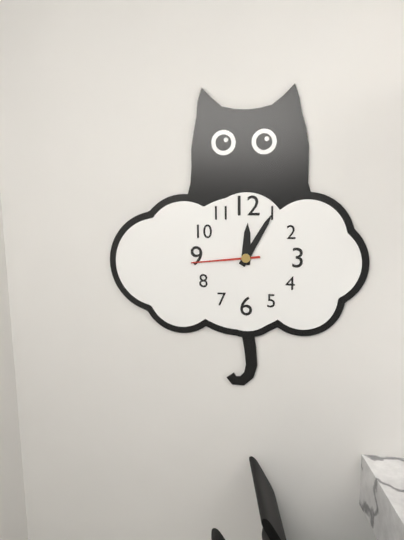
12:05:44
